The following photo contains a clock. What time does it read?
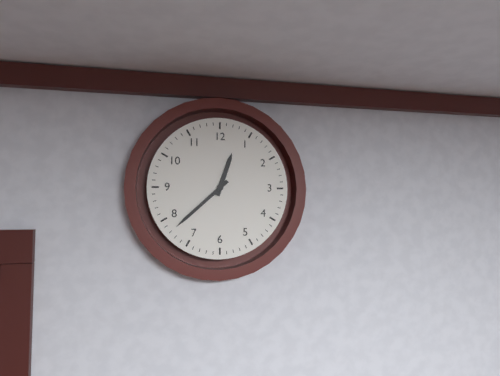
12:38
